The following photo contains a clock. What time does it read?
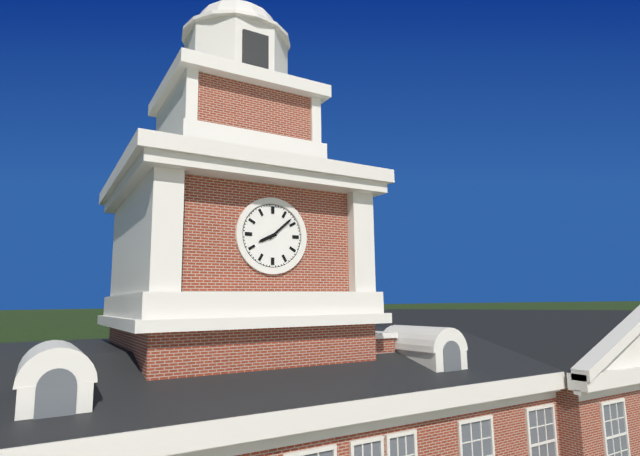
8:08
